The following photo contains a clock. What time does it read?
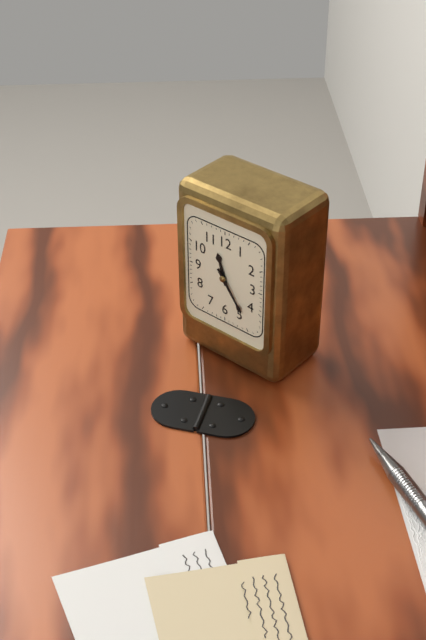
11:24
